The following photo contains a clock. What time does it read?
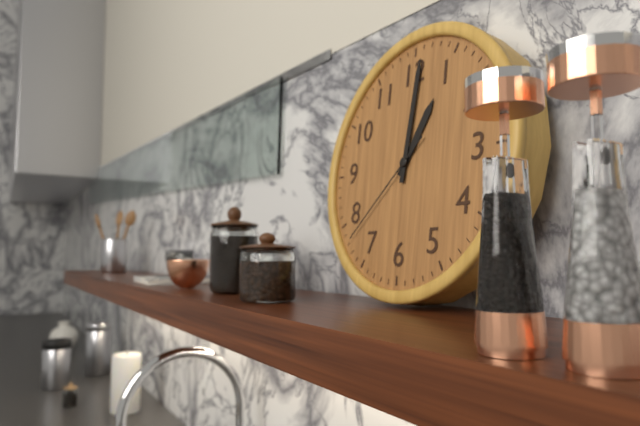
1:01:38
